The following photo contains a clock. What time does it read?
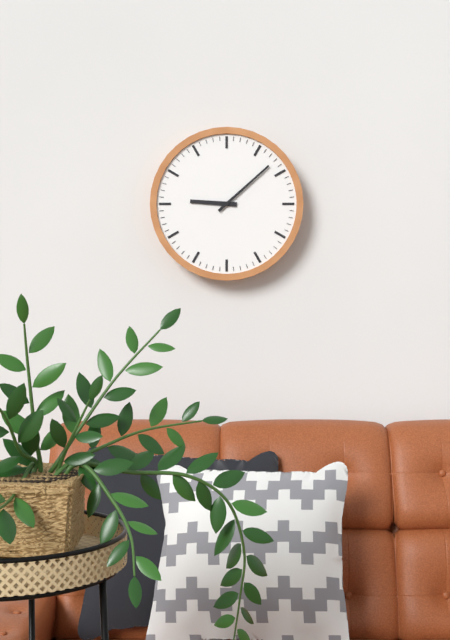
9:08
